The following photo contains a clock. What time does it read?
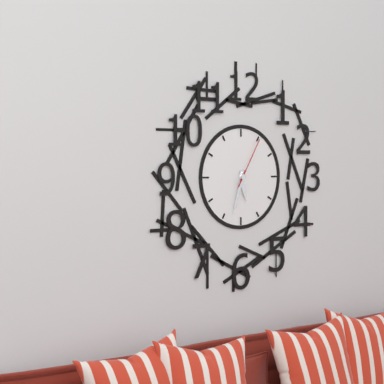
5:33:05
